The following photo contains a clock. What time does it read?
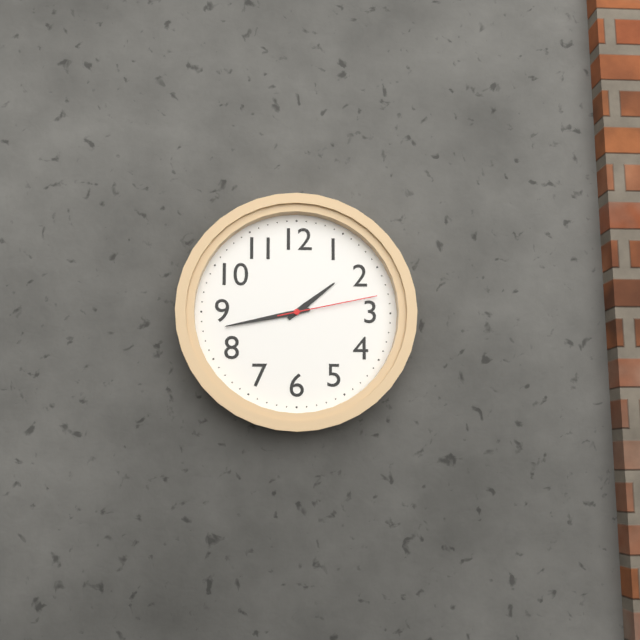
1:43:13
